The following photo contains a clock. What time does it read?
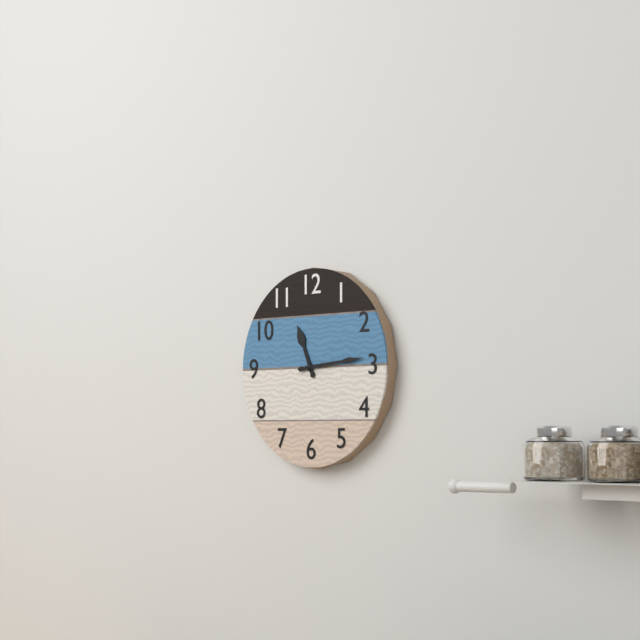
11:14
